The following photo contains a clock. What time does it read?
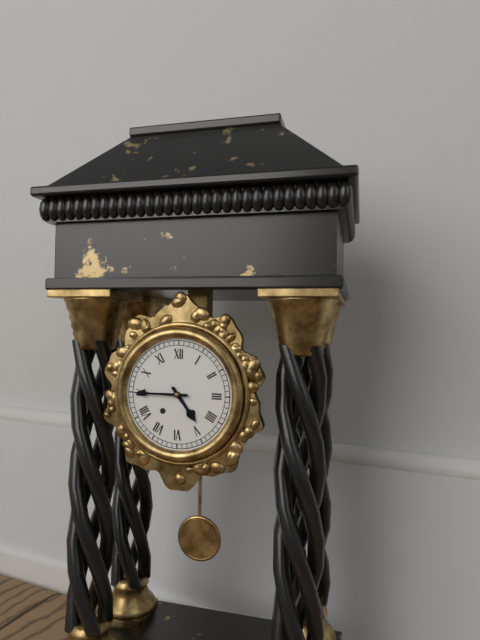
4:45
